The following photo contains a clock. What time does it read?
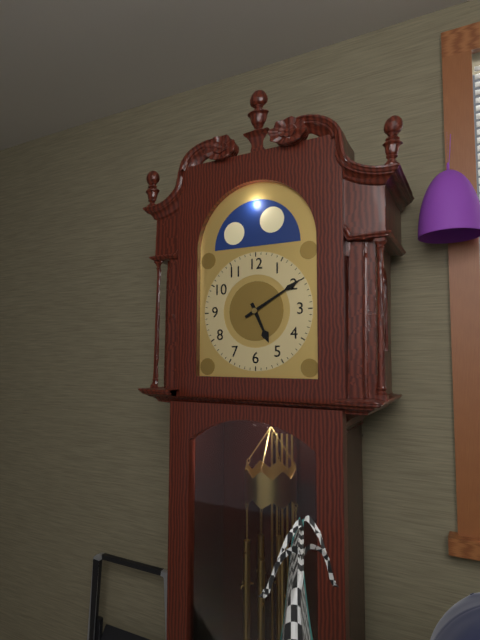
5:10
